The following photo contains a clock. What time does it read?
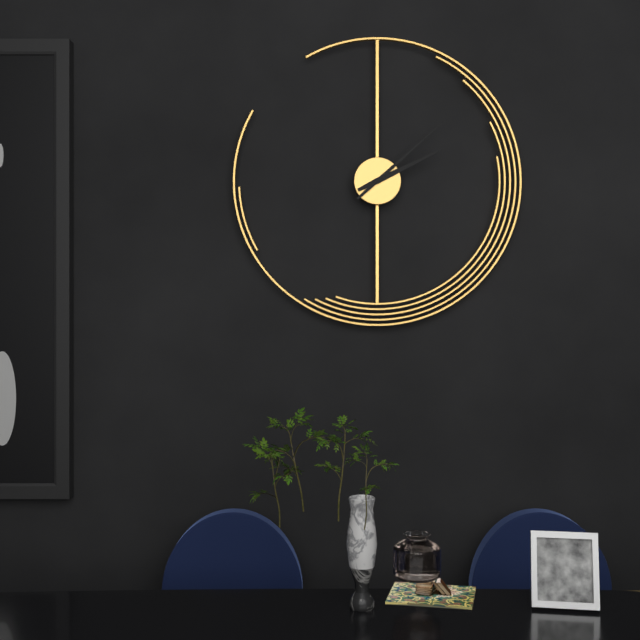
2:08
